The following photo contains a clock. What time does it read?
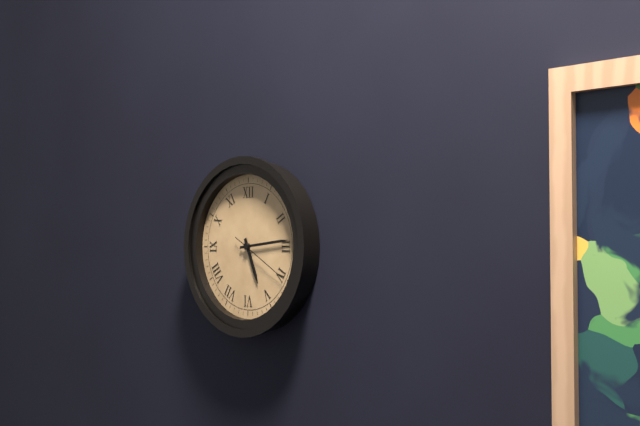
5:14:20
